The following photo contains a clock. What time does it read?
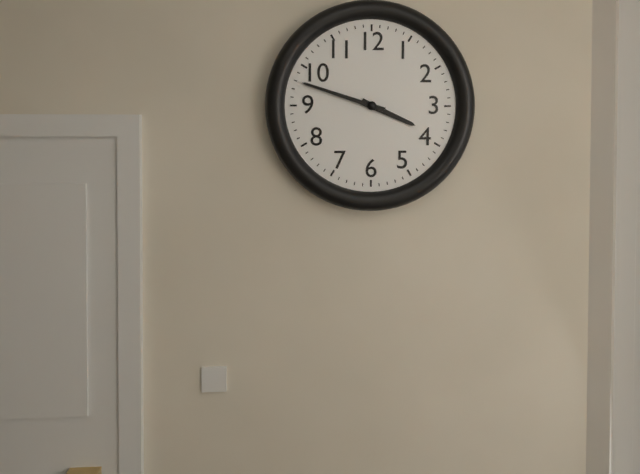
3:48
